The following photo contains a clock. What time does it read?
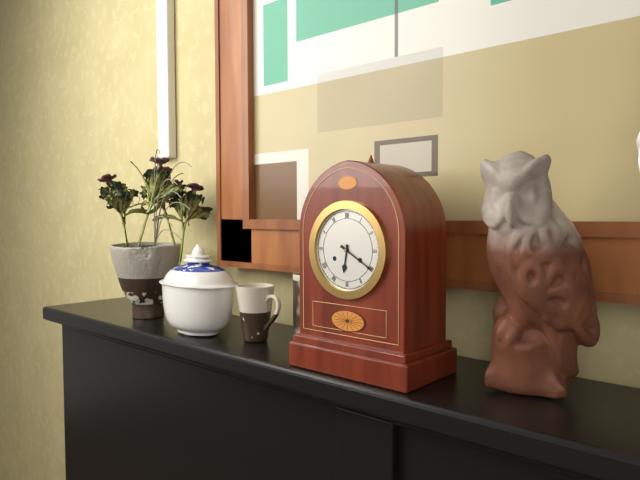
6:20
